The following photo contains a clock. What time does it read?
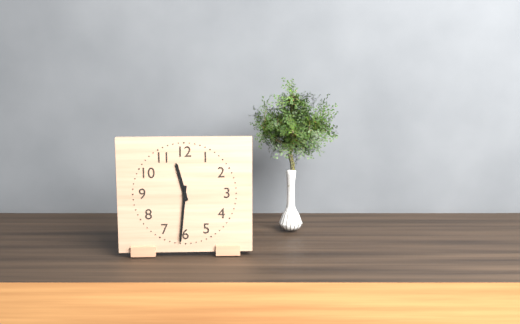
11:31
